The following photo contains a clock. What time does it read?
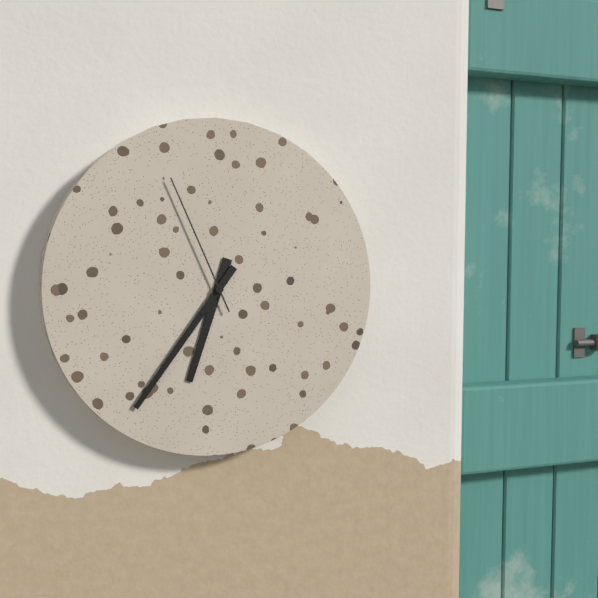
6:36:56
